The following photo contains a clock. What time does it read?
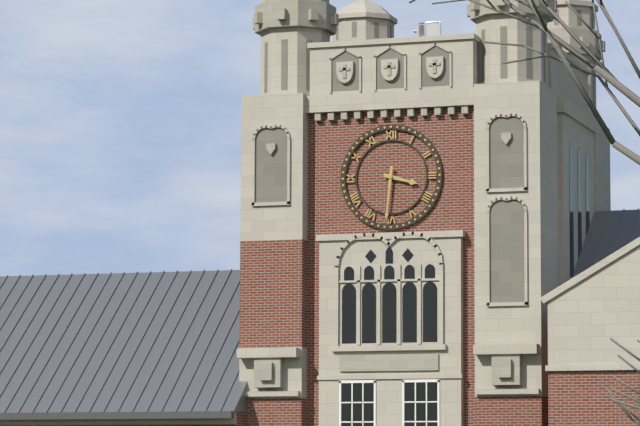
3:31
